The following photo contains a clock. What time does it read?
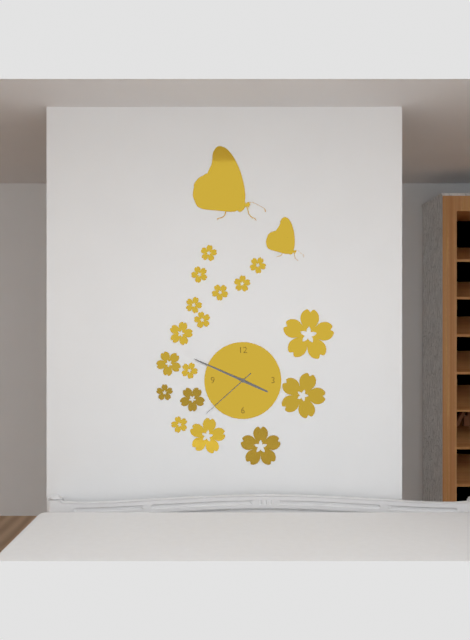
3:49:38
